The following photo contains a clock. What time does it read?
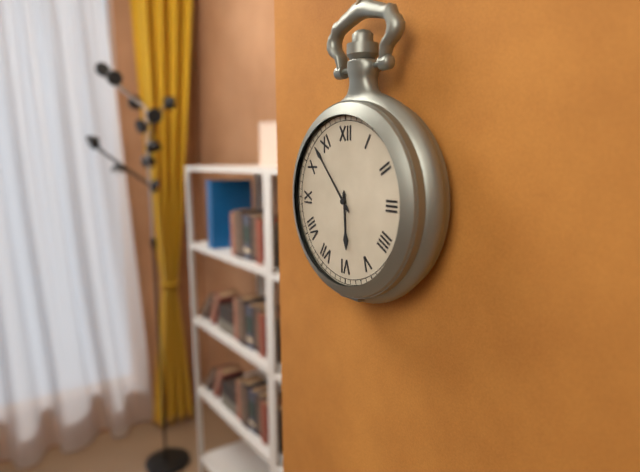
5:53
